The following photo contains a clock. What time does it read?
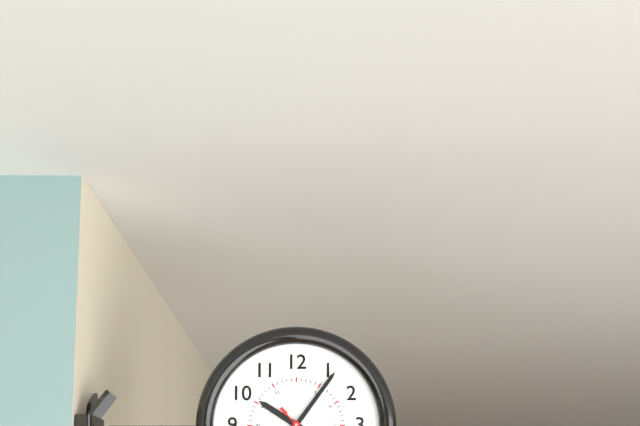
10:06
